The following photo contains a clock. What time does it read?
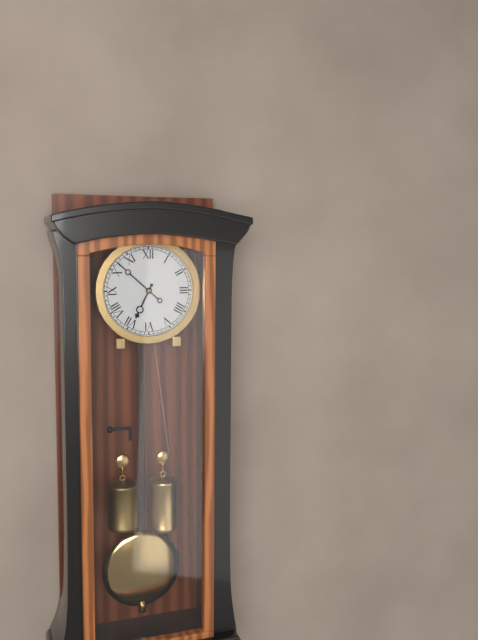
6:52
